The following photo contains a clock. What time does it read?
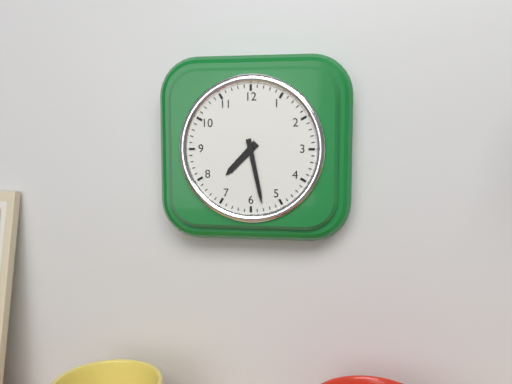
7:28
